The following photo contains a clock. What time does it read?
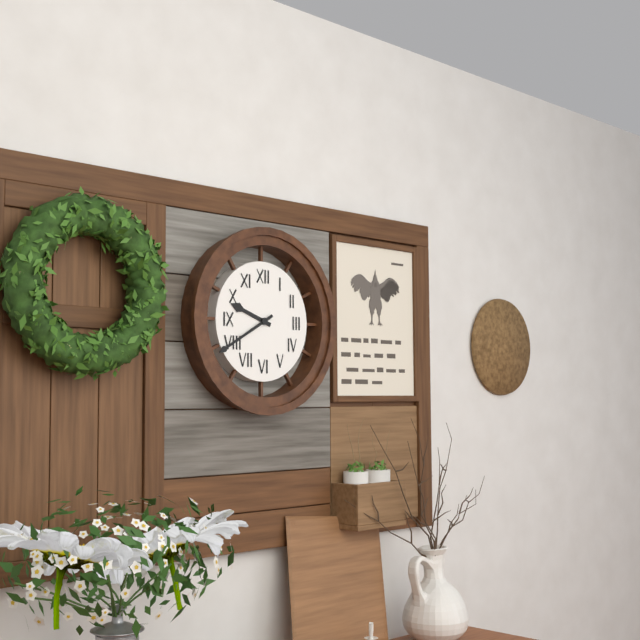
9:40
